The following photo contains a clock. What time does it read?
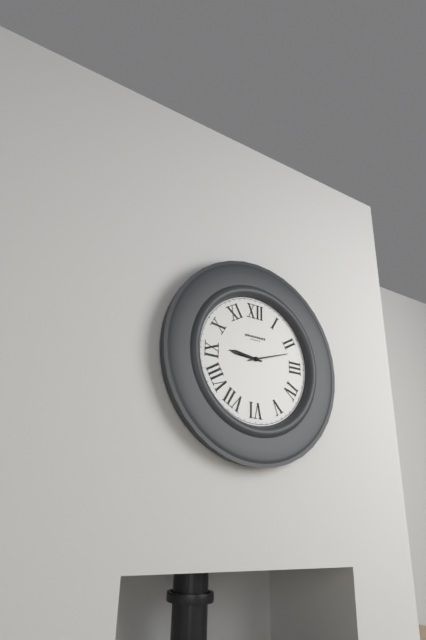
9:12
